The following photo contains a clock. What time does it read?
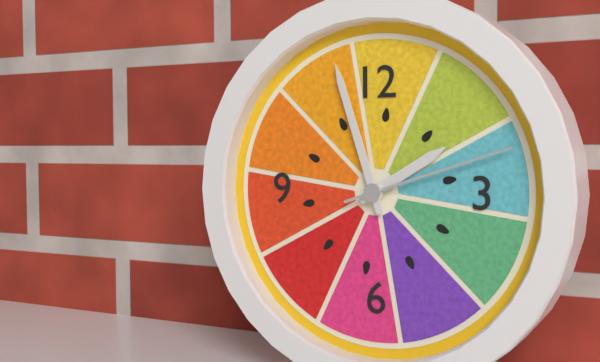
1:57:12
